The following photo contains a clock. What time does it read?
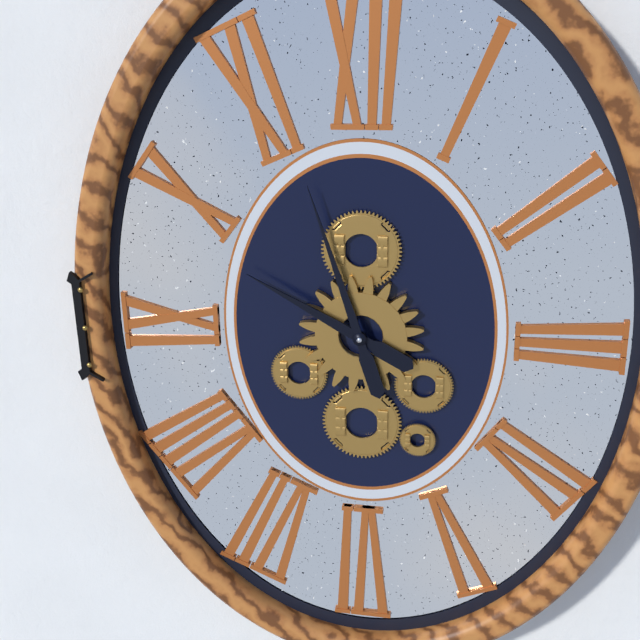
9:57
